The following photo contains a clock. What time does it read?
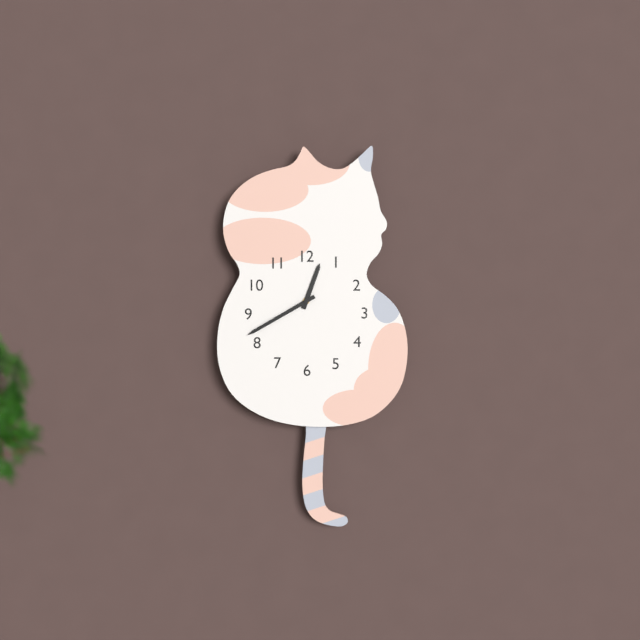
12:40
